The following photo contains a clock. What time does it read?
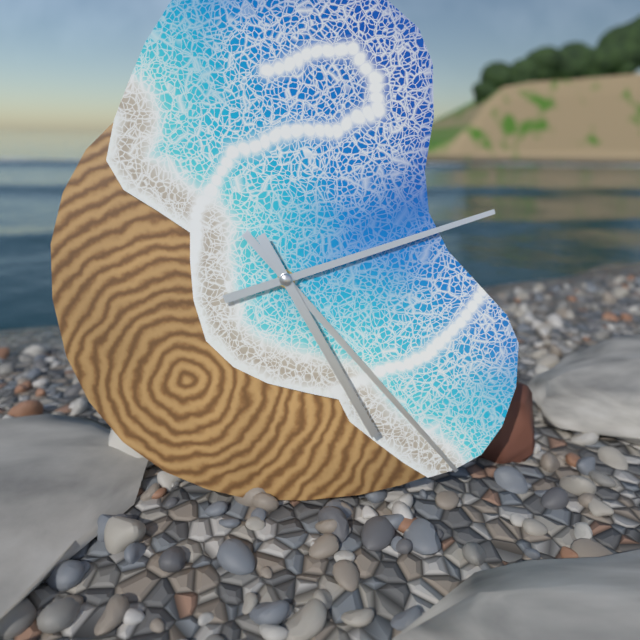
2:23:25
